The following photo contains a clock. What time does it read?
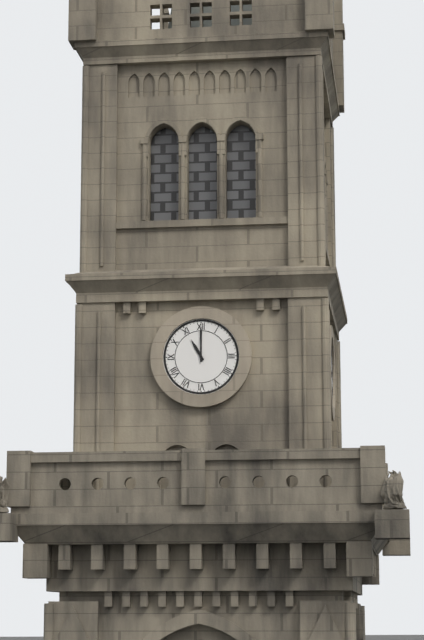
11:00
